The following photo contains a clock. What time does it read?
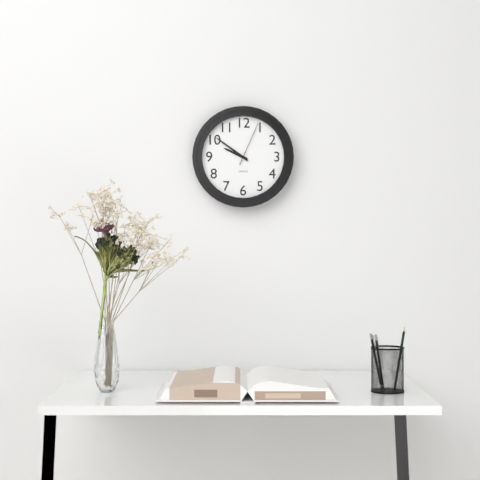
9:51
